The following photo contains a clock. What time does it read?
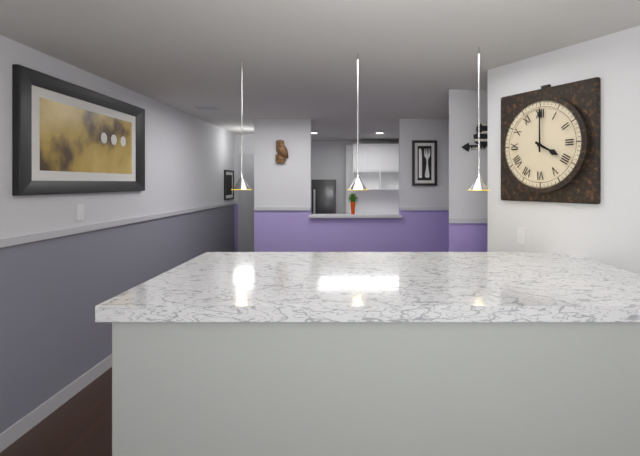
4:00
